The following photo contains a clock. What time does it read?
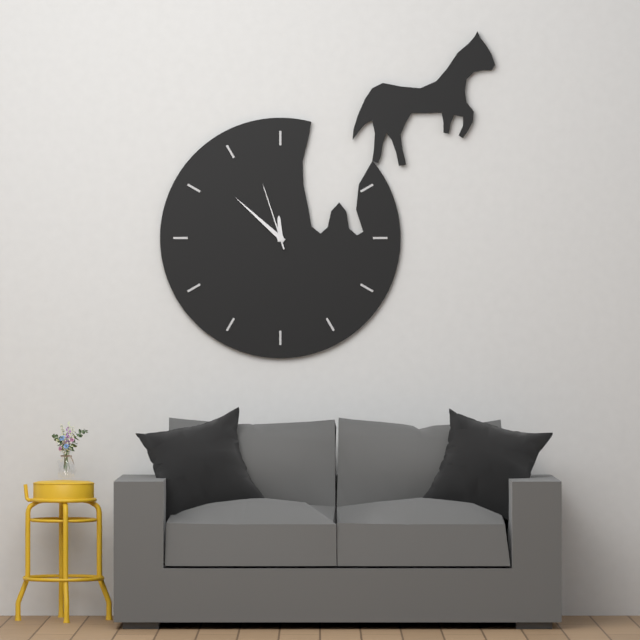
11:52:57
